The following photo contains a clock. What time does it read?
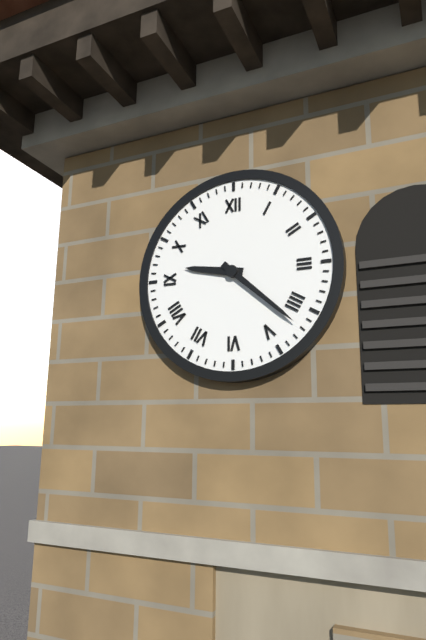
9:22
